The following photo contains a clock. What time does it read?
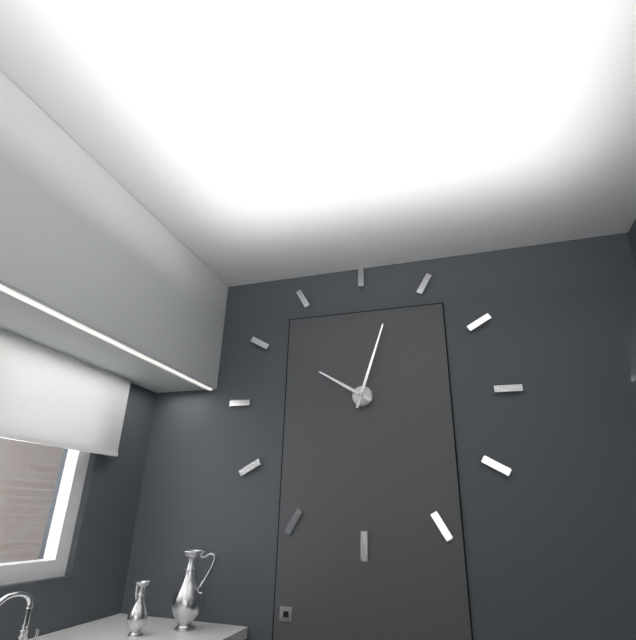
10:03
